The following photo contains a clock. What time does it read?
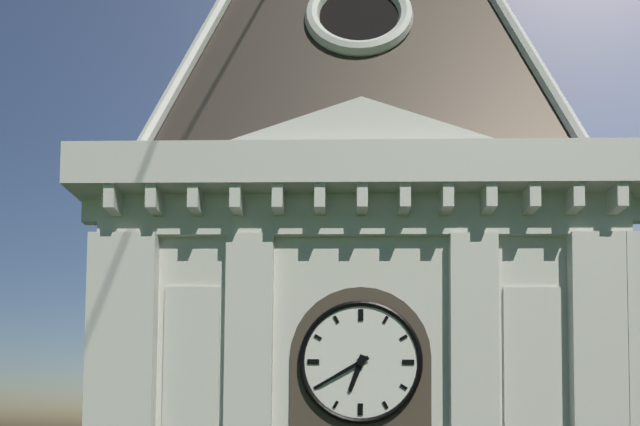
6:40
